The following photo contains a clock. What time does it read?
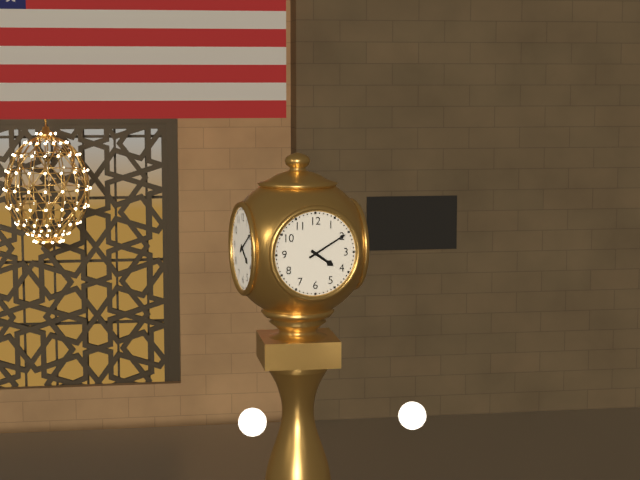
4:10
